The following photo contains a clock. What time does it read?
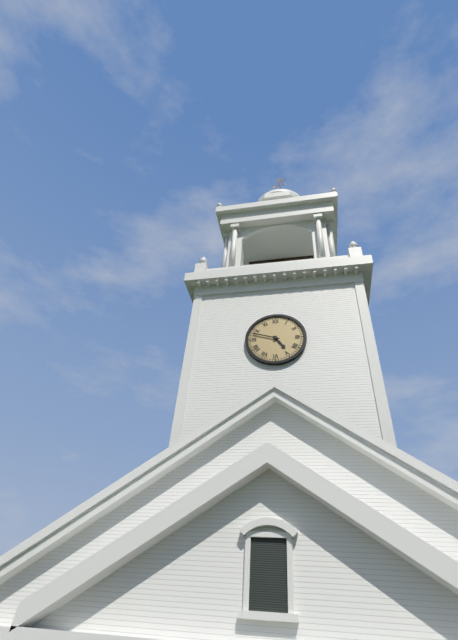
4:48
